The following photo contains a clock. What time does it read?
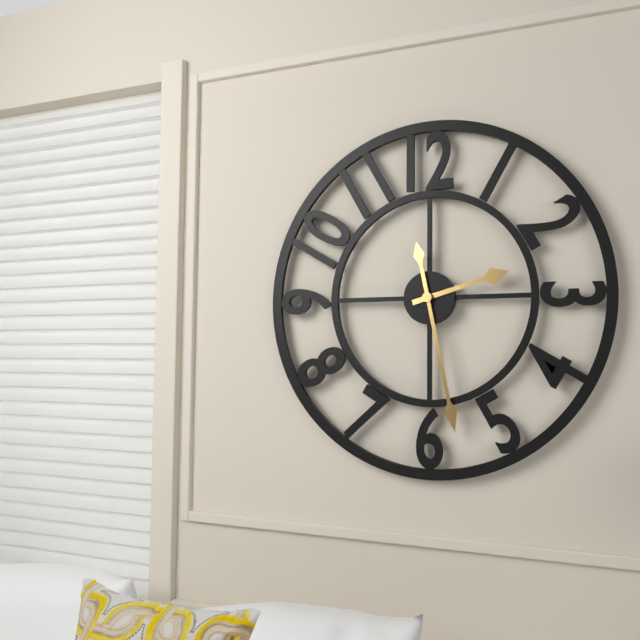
2:28
